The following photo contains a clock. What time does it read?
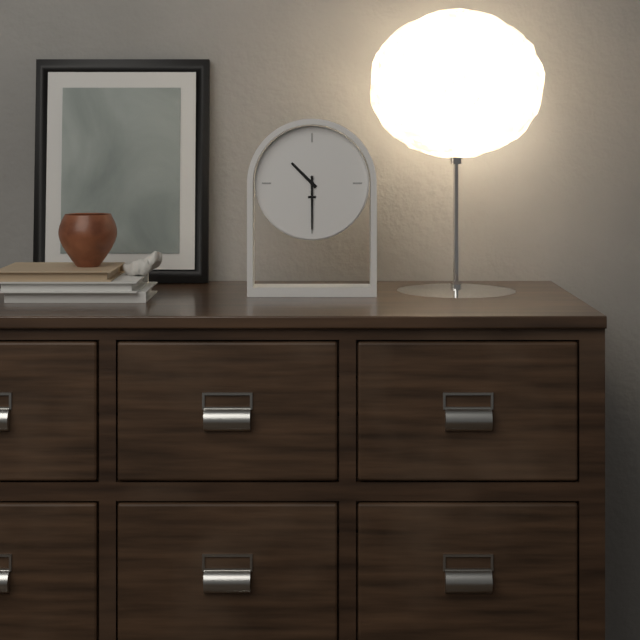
10:30
